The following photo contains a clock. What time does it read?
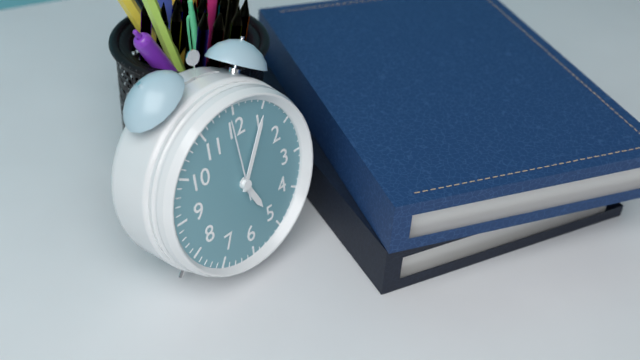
5:05:59
